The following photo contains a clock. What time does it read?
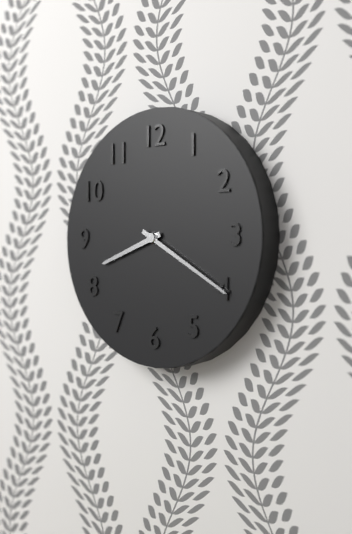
8:20
